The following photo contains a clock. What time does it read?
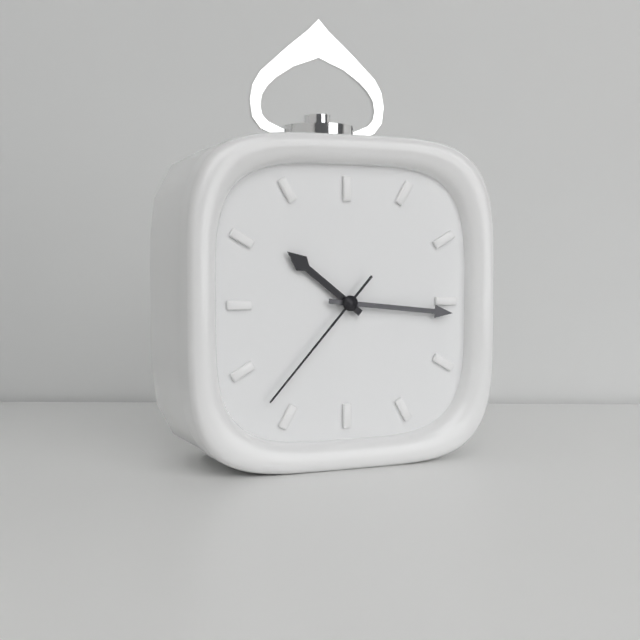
10:16:37
